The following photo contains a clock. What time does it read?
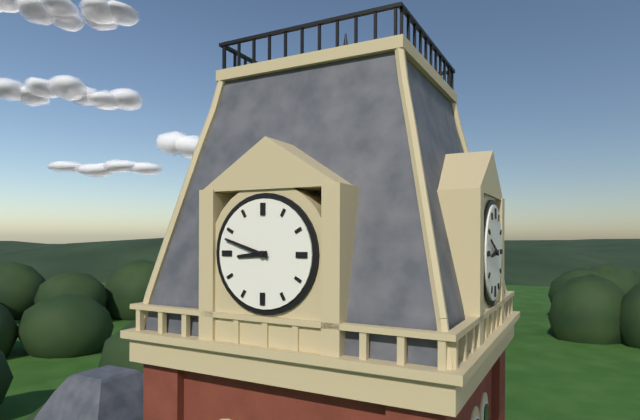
8:48
